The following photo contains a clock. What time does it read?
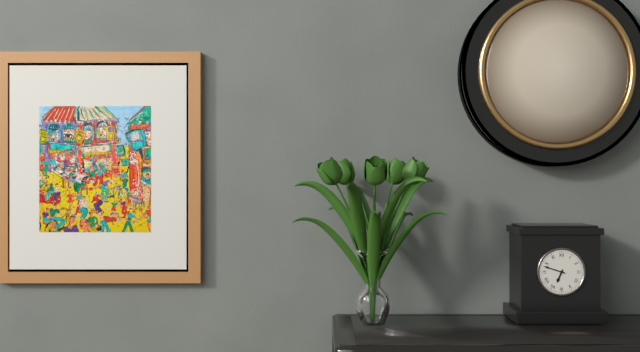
6:48
